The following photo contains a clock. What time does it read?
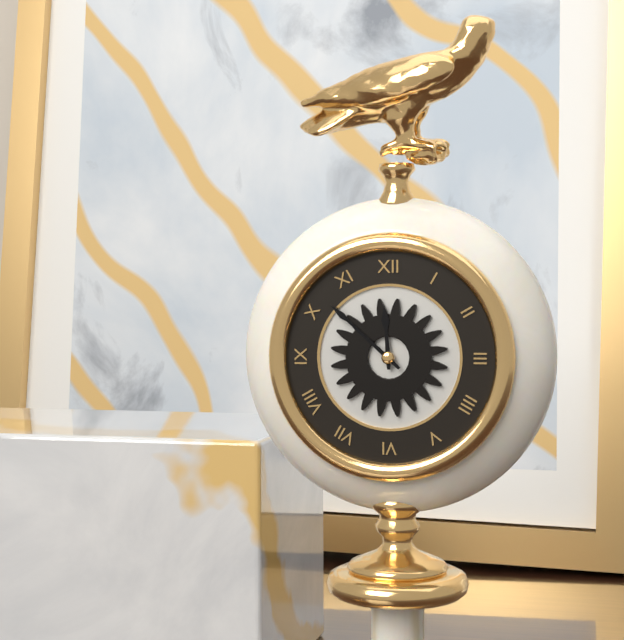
11:52
